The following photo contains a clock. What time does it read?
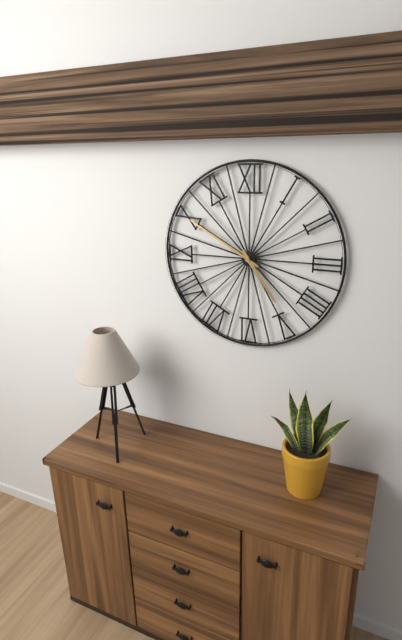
4:50
